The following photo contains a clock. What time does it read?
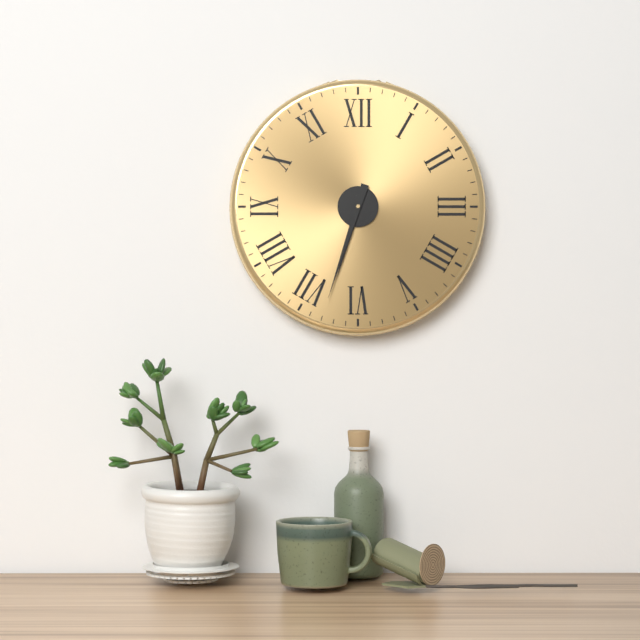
6:33
